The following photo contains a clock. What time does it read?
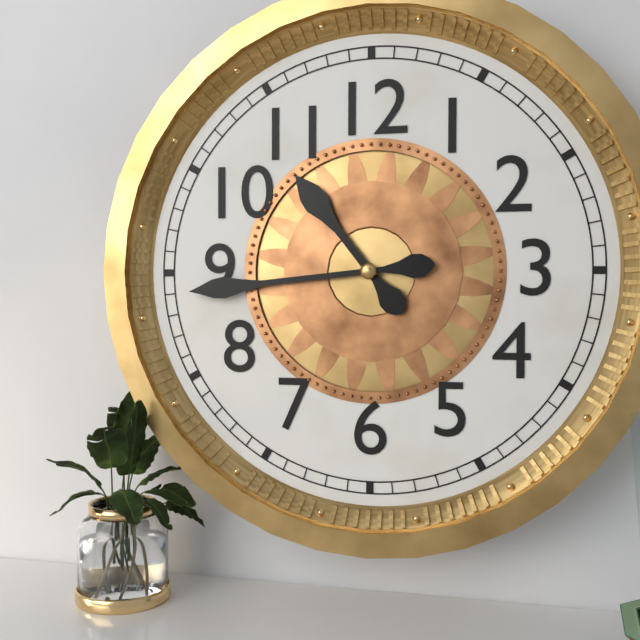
10:44
